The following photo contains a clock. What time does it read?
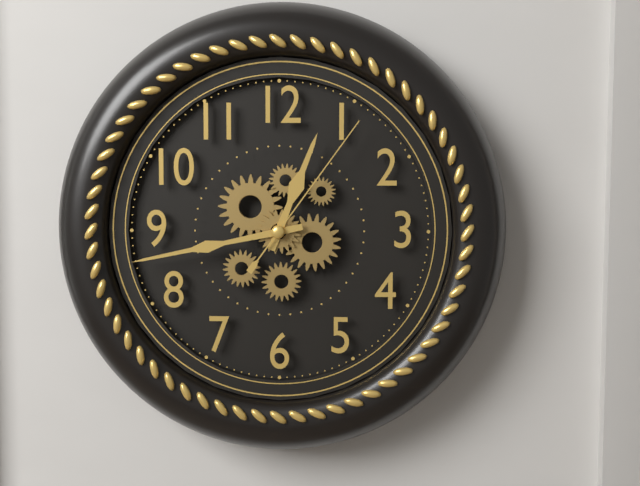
12:43:06
